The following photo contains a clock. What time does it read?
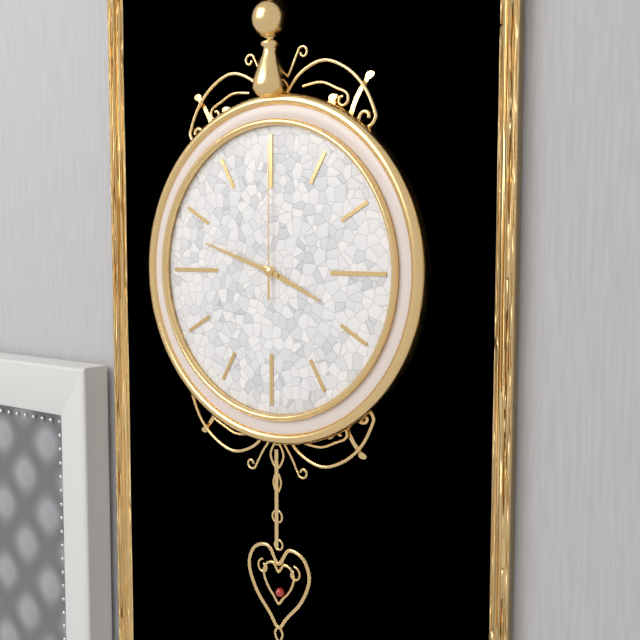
3:48:00
